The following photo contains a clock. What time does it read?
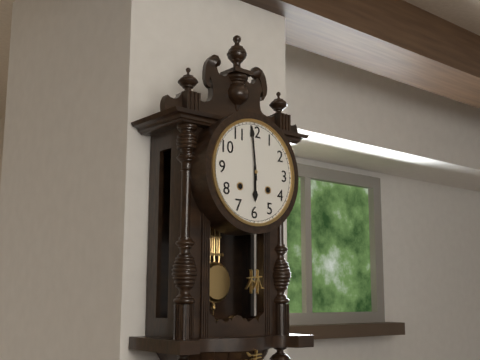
5:59
